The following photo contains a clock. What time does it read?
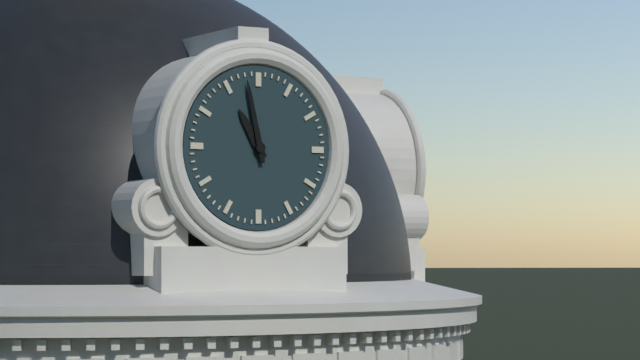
10:58
